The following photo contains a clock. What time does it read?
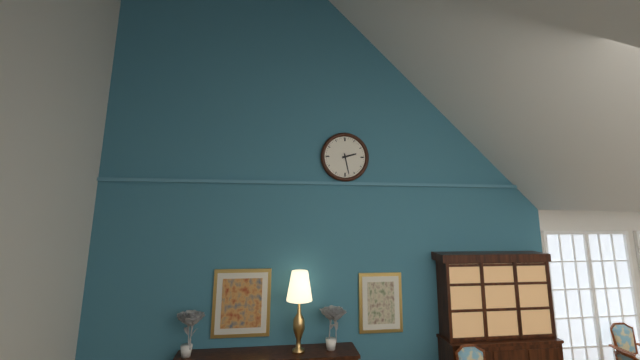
2:28
